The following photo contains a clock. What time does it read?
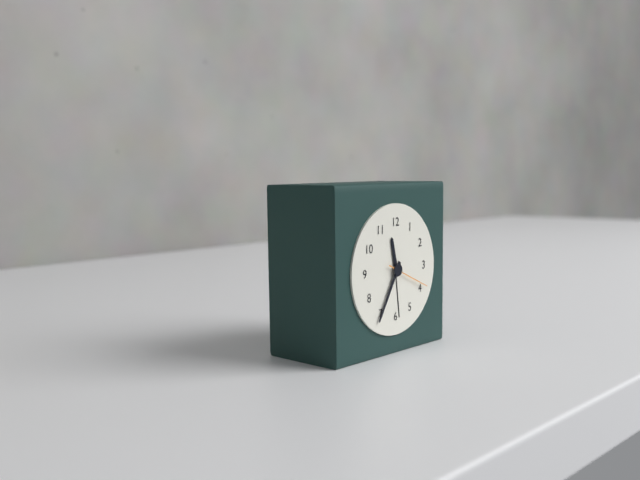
11:35
